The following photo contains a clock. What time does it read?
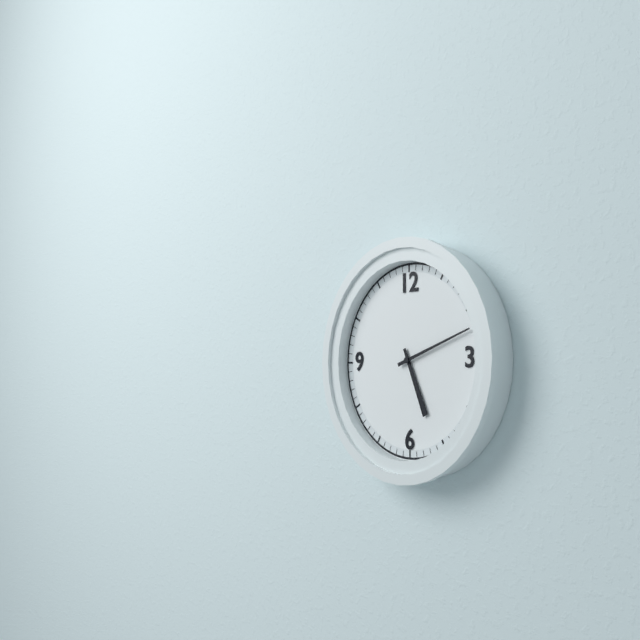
5:12
